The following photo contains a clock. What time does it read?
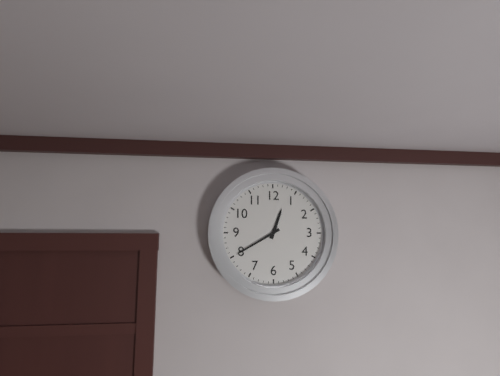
12:40
